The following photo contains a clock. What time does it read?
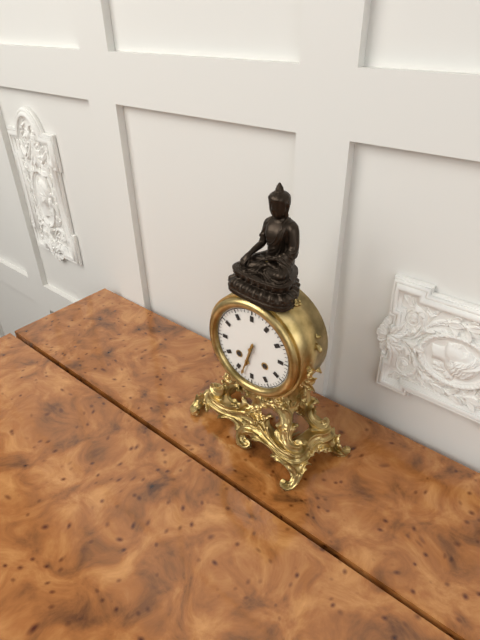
6:33
